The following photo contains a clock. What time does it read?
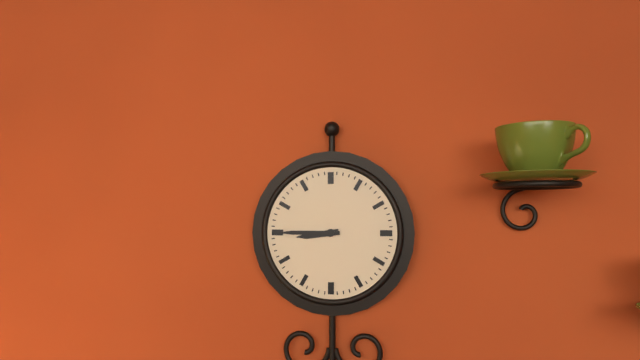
8:45
